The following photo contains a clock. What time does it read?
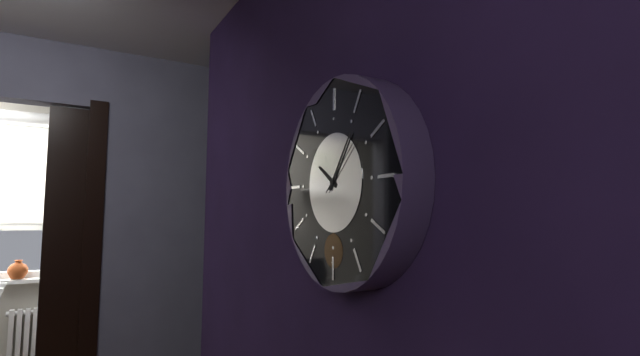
10:06:08
